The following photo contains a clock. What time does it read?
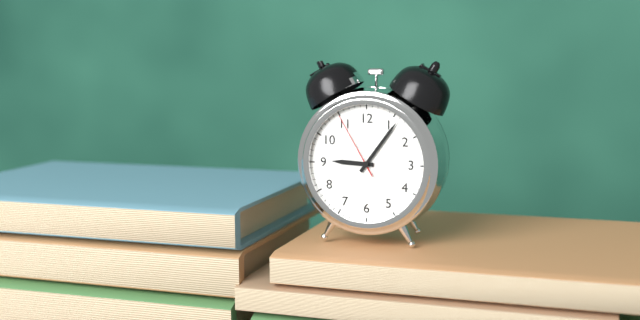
9:06:55
